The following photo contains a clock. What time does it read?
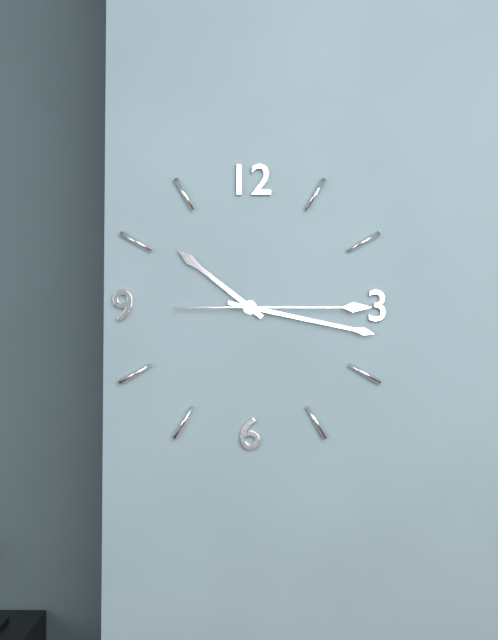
10:17:15
